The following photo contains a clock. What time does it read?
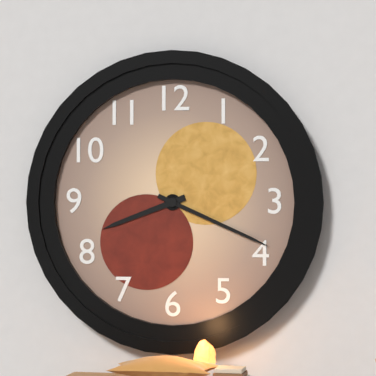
8:19
